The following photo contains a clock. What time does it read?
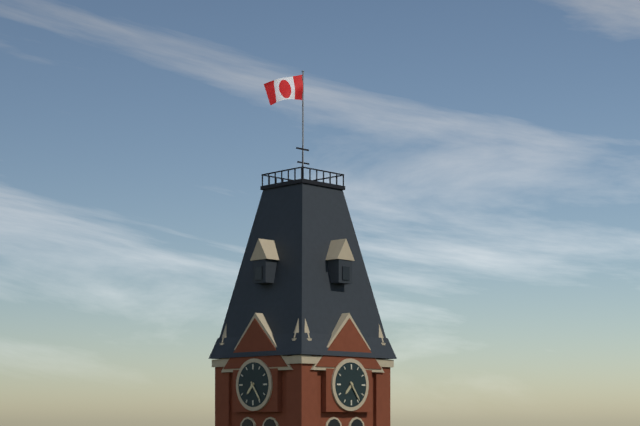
7:24
